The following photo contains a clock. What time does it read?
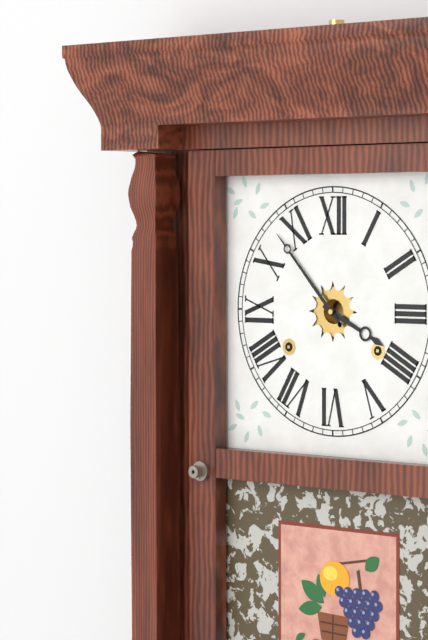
3:53
